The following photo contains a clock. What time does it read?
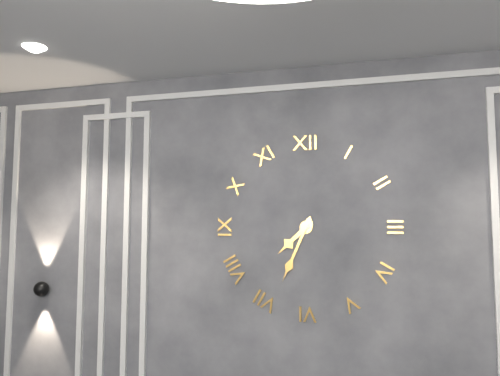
7:34
